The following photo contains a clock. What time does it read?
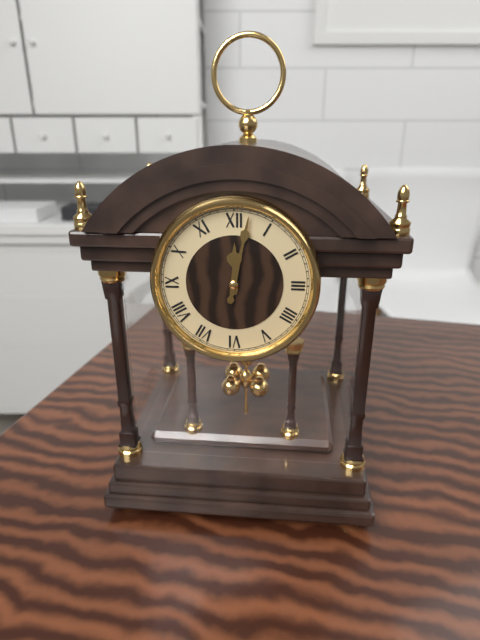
12:02
